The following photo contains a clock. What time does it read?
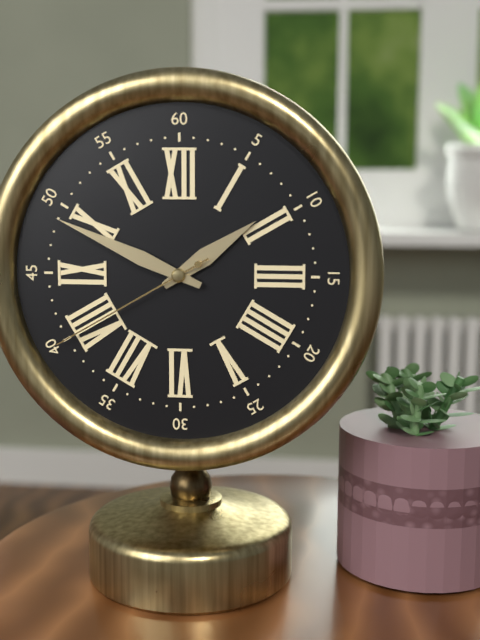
1:49:40
